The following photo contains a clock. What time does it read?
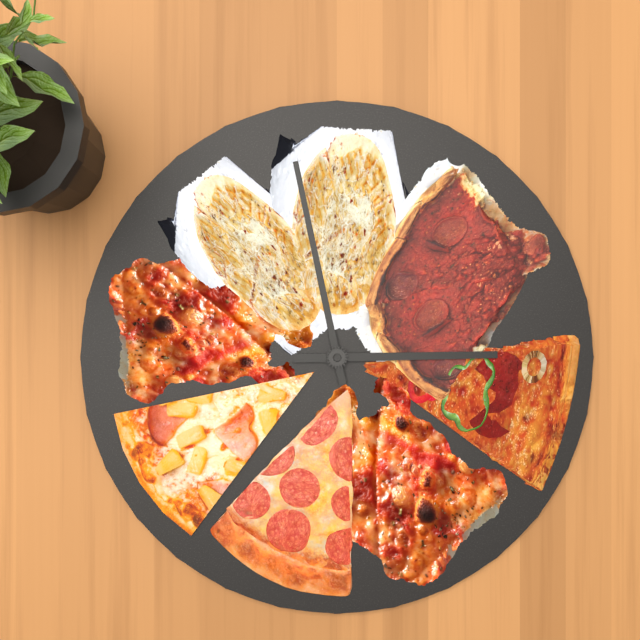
2:58
